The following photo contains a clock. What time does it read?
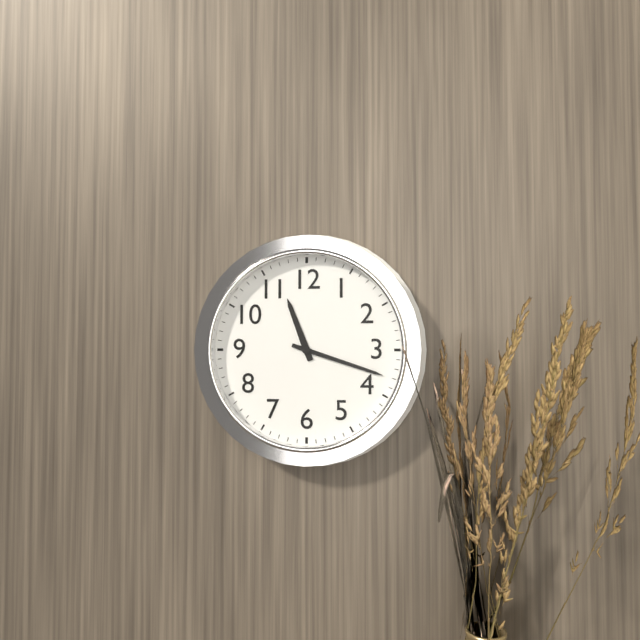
11:18
